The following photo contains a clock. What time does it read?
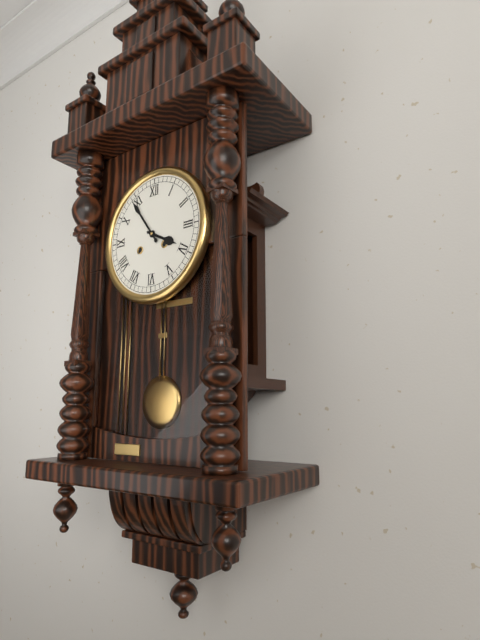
3:54
